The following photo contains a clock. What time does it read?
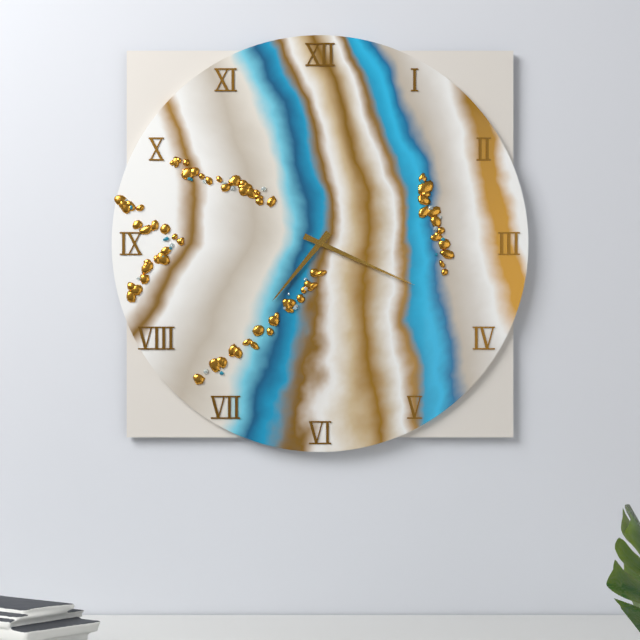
7:19
